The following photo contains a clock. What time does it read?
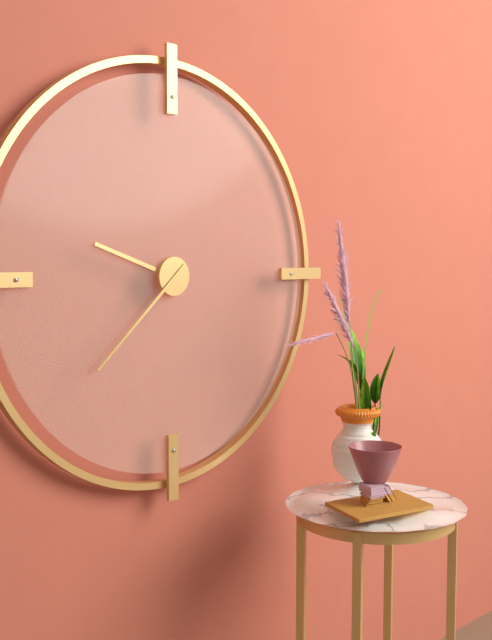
9:38
